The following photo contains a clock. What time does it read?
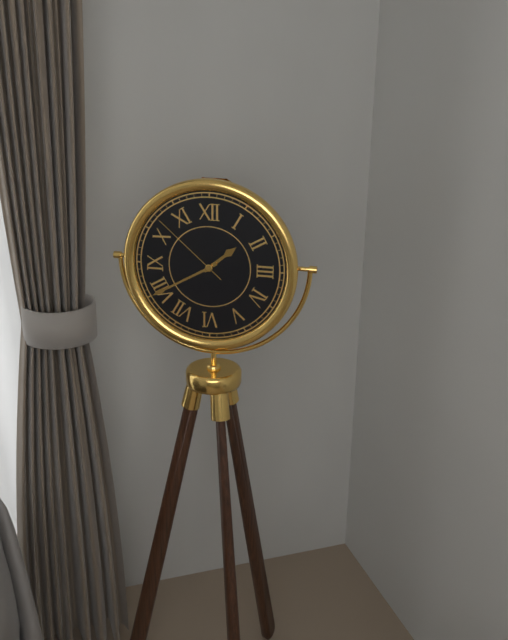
1:40:52
